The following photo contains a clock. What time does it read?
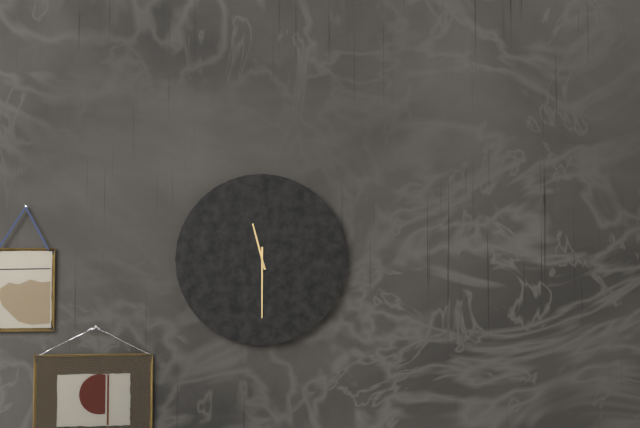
11:30
